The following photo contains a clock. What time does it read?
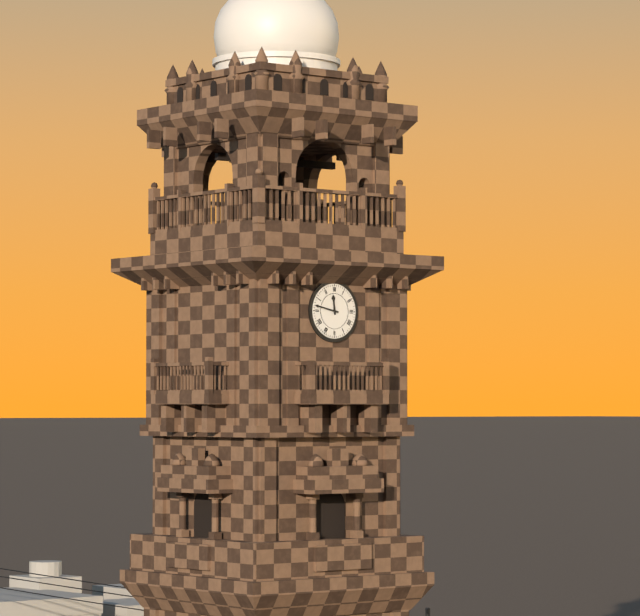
11:47
